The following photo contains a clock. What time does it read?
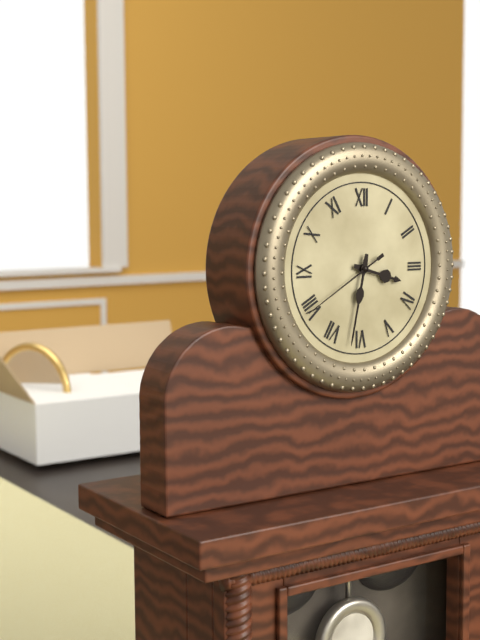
3:32:40
